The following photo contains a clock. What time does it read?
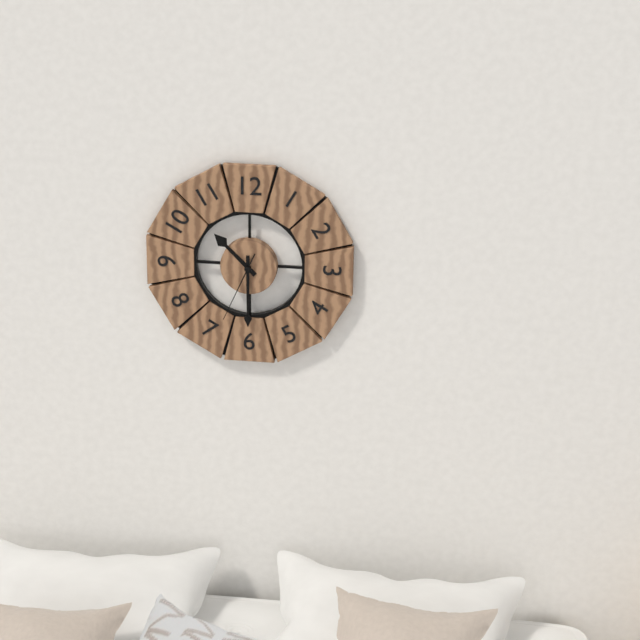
10:30:34
